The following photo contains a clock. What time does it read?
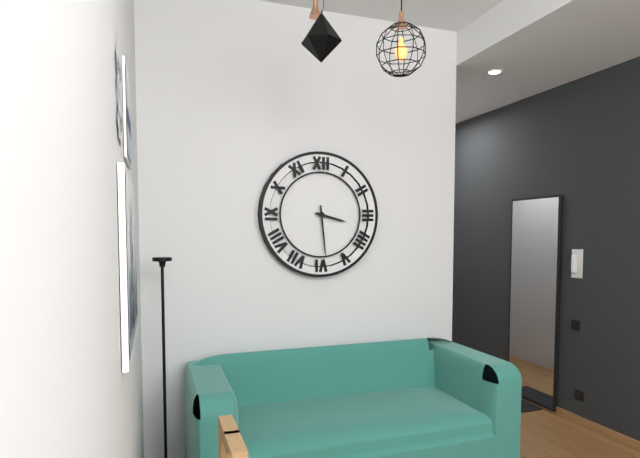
3:29
